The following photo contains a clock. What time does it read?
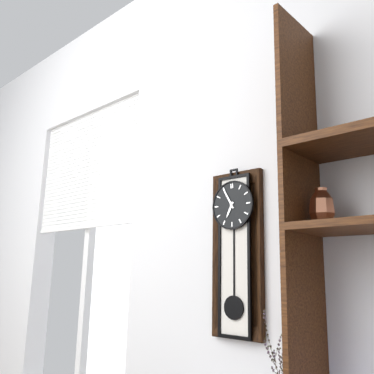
6:55
